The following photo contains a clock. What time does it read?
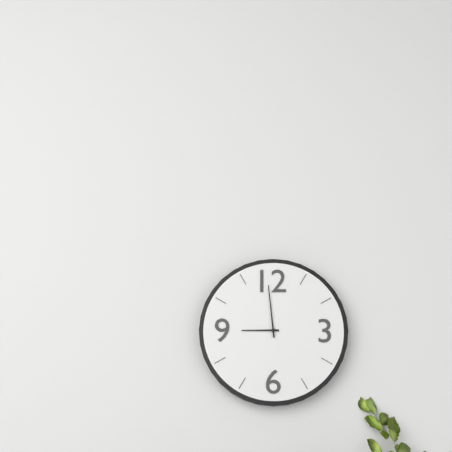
8:59
